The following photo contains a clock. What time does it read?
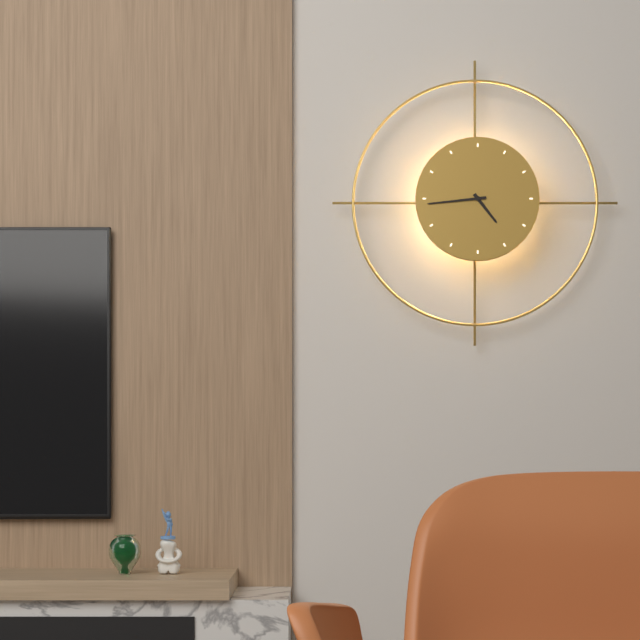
4:44
